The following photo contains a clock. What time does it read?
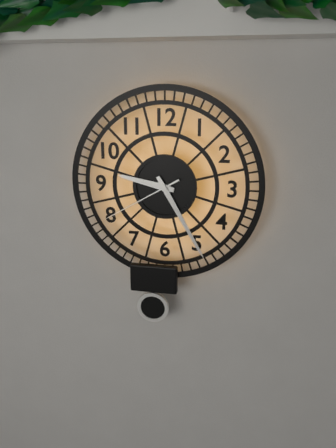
9:25:40
